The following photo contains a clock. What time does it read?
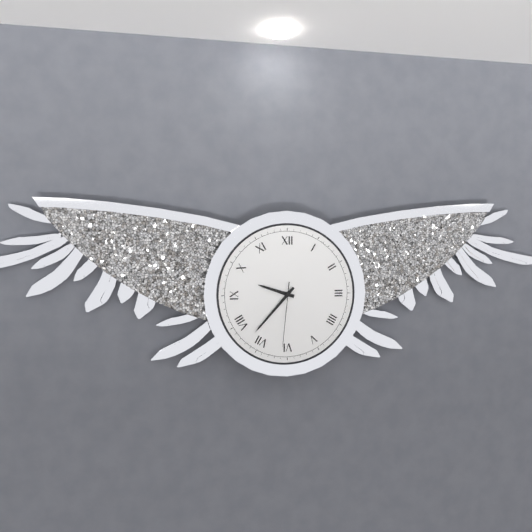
9:37:31
